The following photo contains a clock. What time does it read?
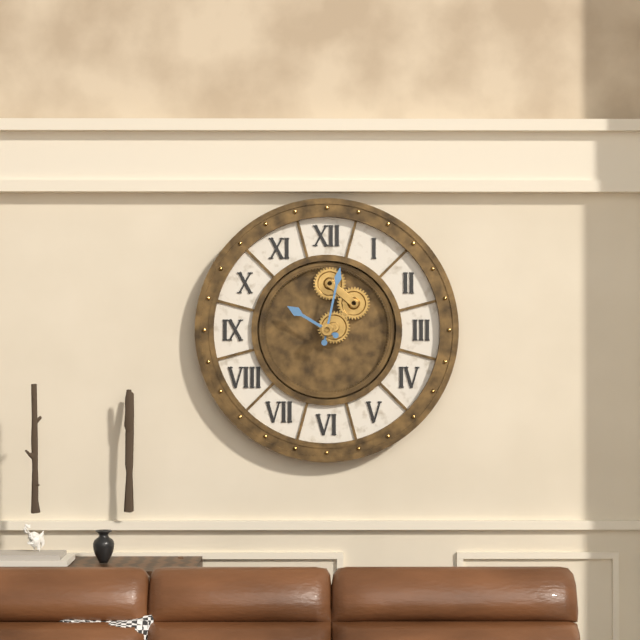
10:02
